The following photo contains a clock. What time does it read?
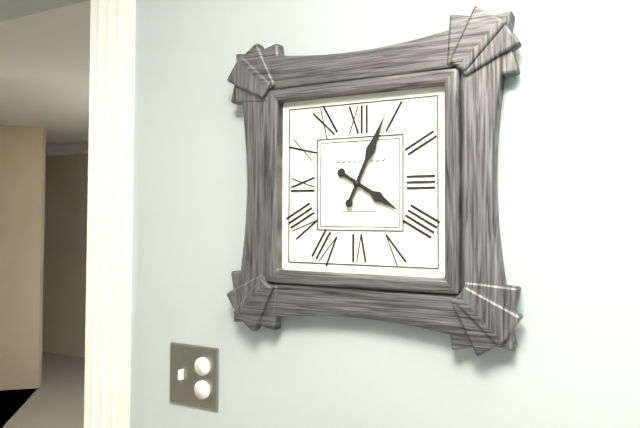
4:04
